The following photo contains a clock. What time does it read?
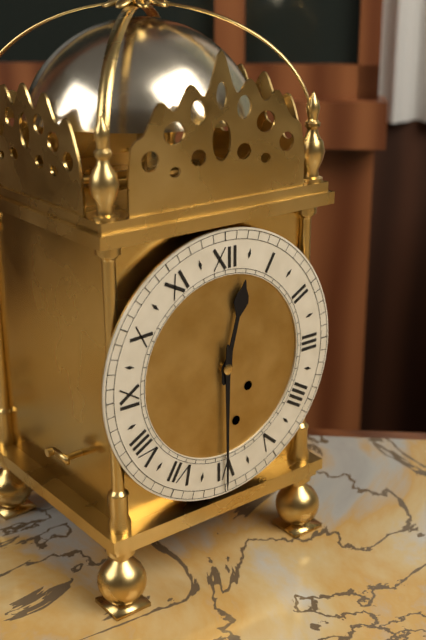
12:30
